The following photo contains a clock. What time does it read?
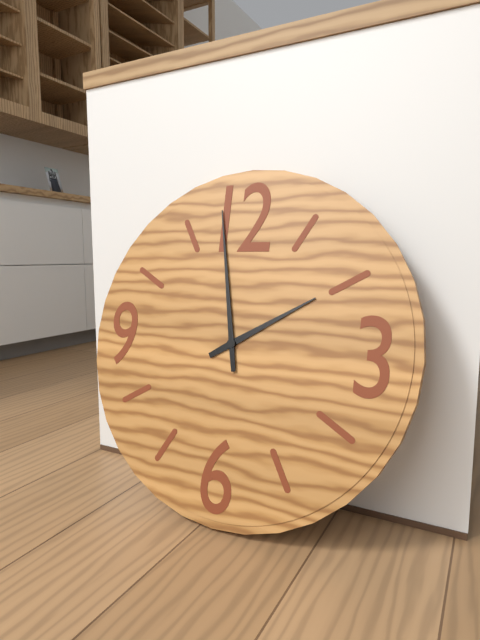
1:58
